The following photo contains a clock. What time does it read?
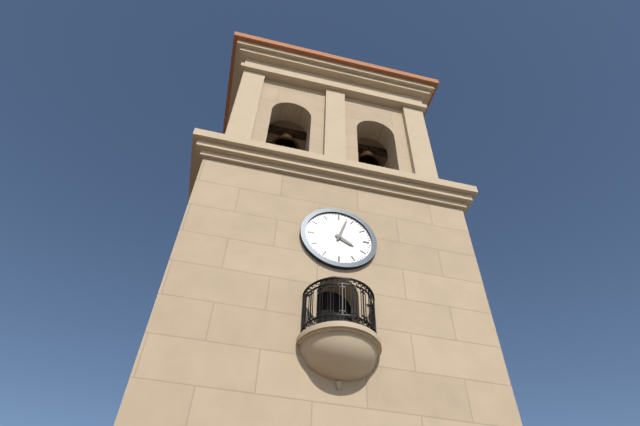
4:03
